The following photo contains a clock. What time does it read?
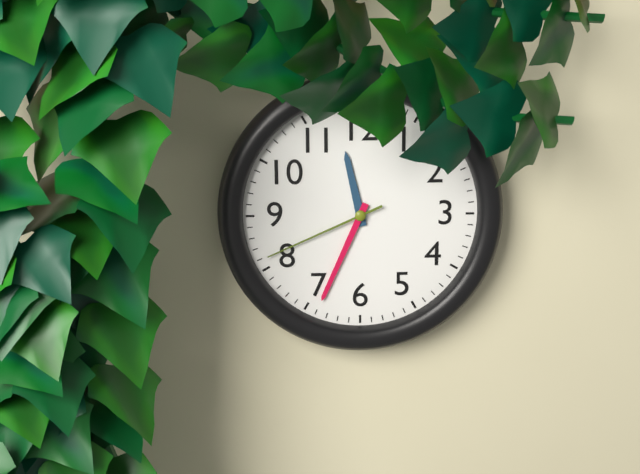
11:34:41
